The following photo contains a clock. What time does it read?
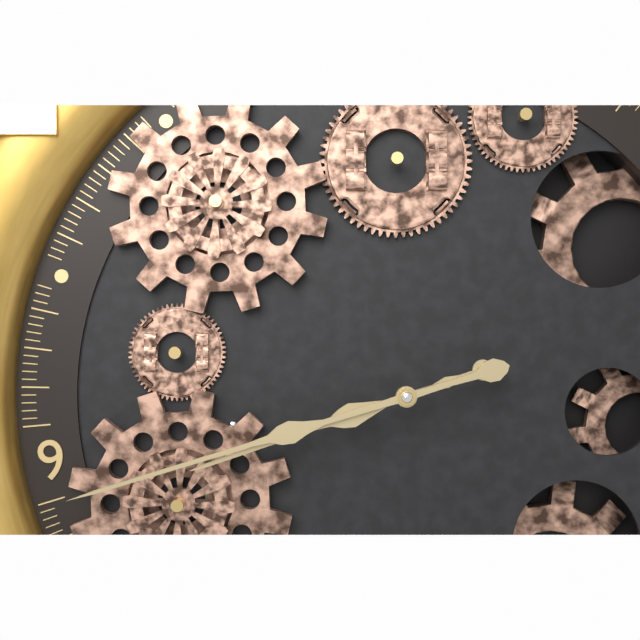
8:44
